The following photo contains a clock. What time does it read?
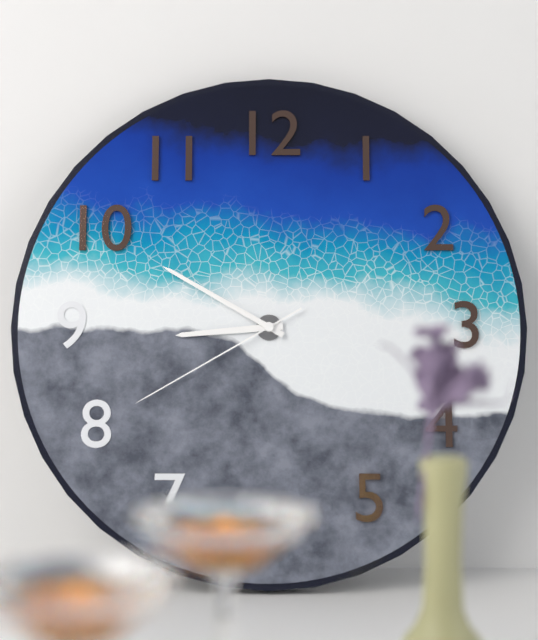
8:50:40
